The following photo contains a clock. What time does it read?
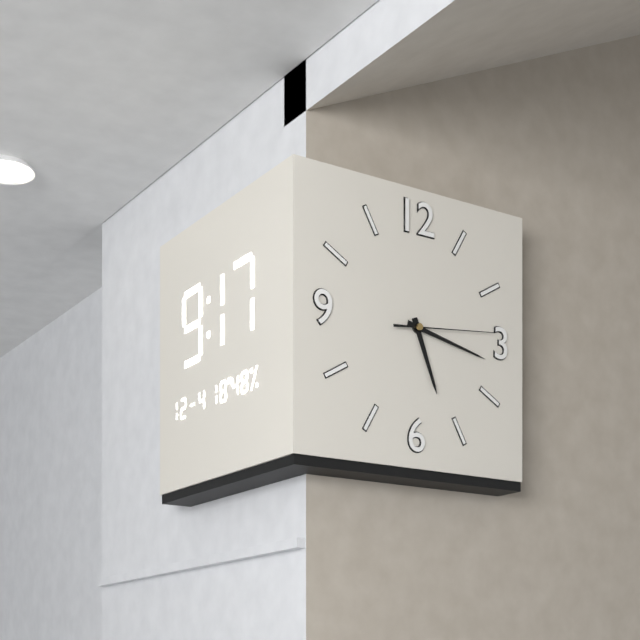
5:17:14
